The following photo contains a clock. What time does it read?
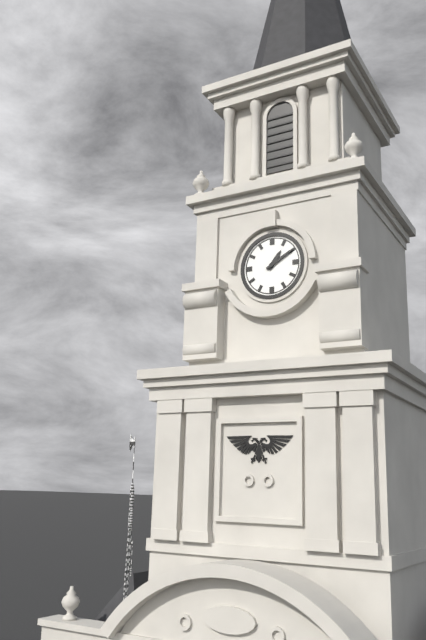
1:10
